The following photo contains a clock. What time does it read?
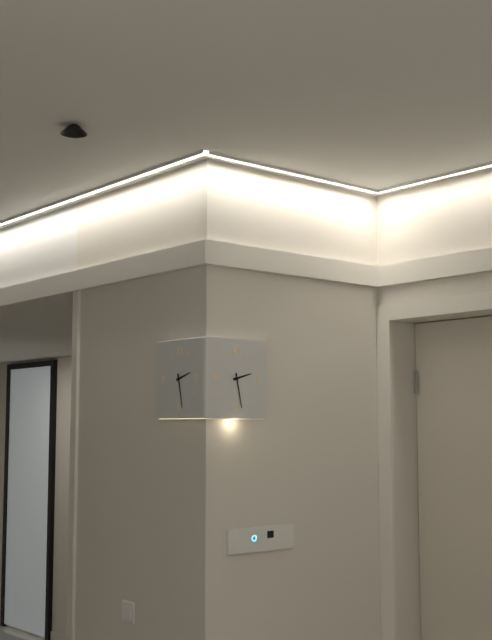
2:28
